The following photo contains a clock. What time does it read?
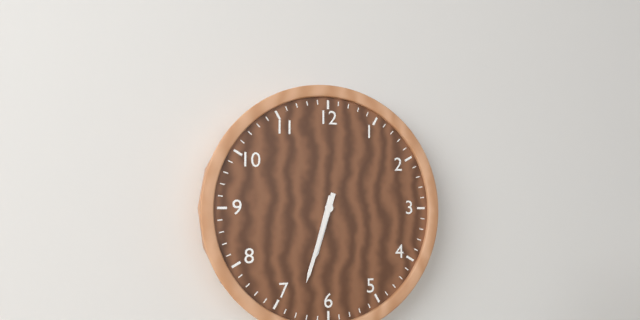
6:33
